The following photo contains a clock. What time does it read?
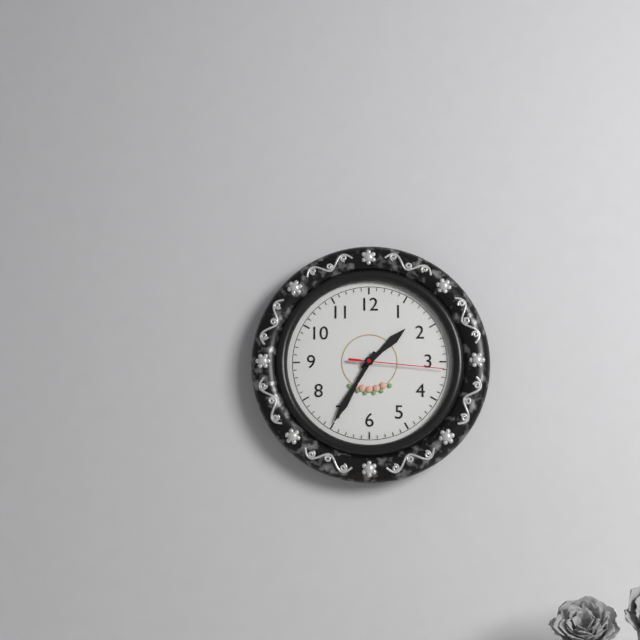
1:35:16
